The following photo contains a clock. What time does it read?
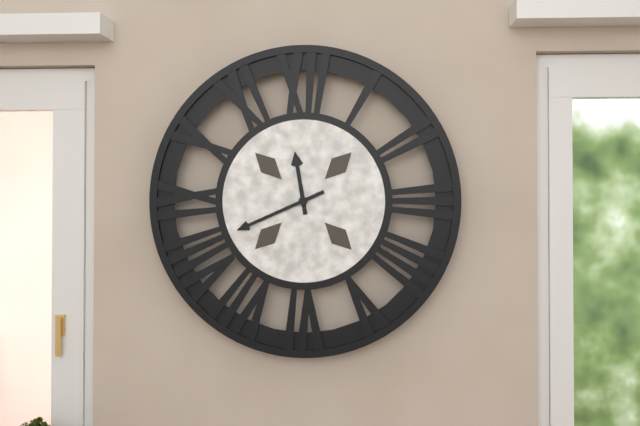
11:41
